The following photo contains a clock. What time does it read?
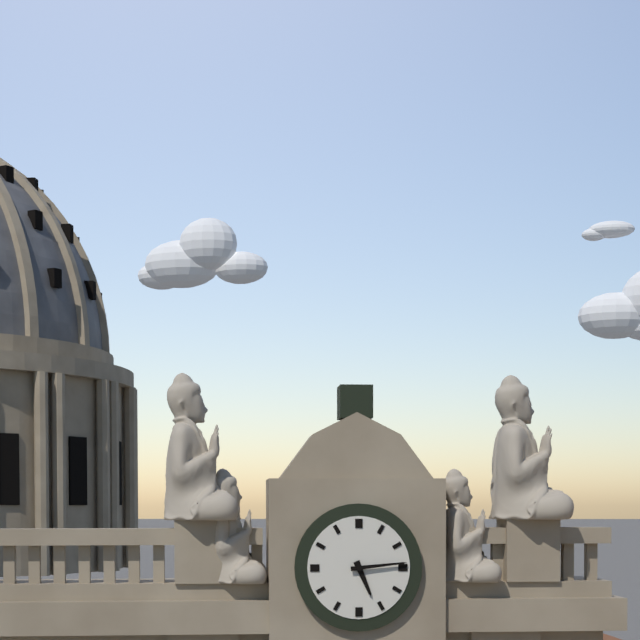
5:14
